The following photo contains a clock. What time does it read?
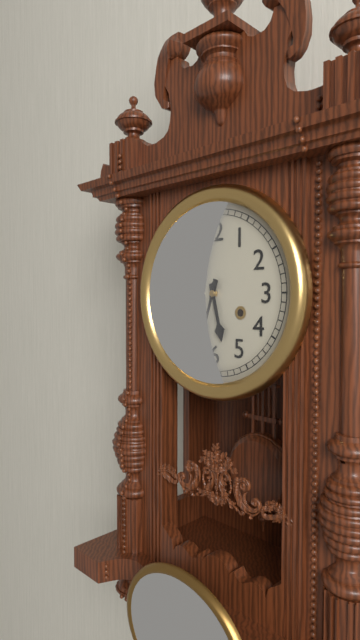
5:33
